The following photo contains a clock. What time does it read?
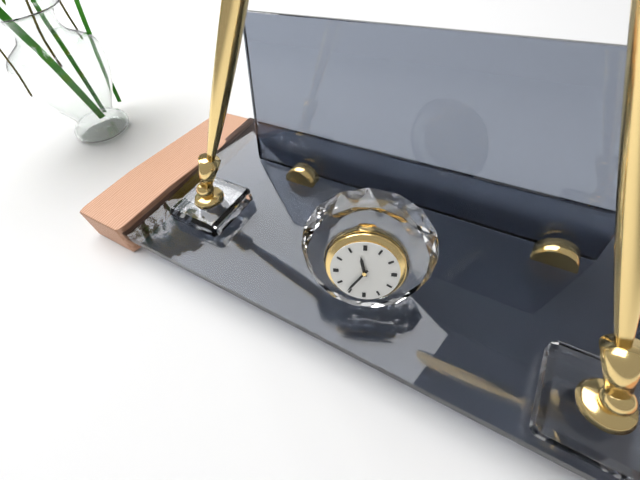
11:36
